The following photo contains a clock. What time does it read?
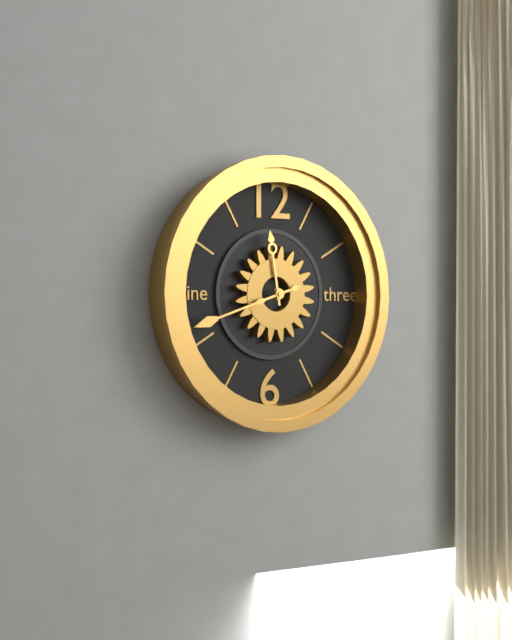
11:42
